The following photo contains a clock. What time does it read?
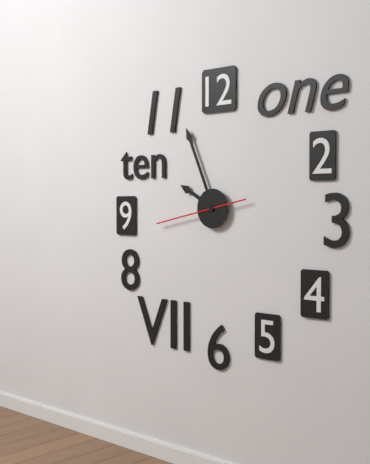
9:56:43
